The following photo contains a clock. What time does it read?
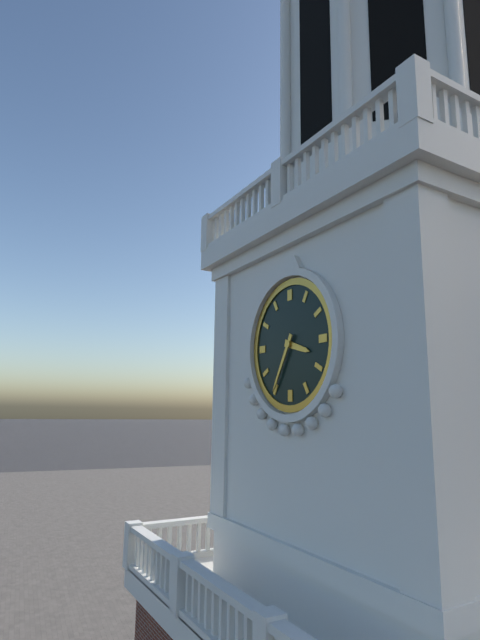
3:35
